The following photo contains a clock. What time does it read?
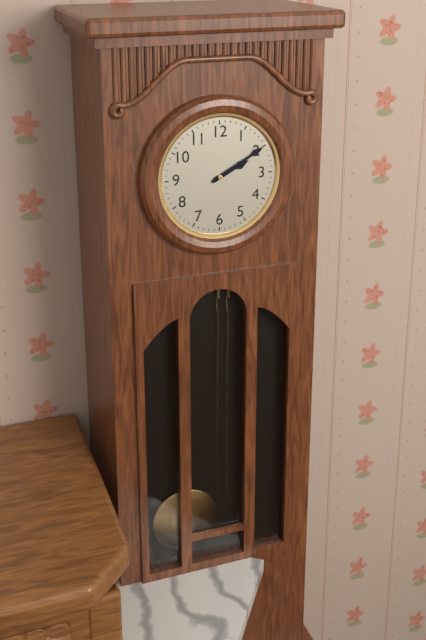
2:10
